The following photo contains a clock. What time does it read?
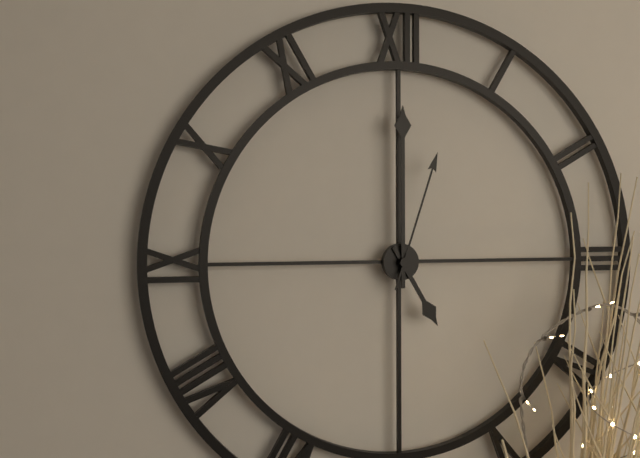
5:00:03
